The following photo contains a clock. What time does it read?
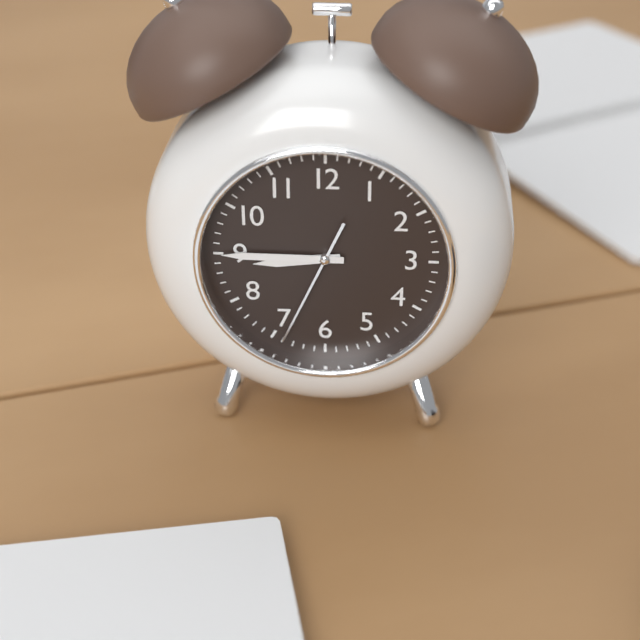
8:45:34
